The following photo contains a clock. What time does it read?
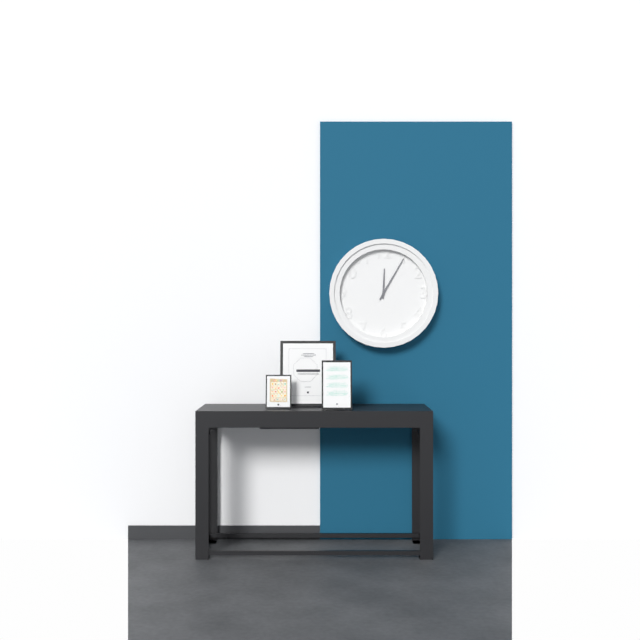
12:05
